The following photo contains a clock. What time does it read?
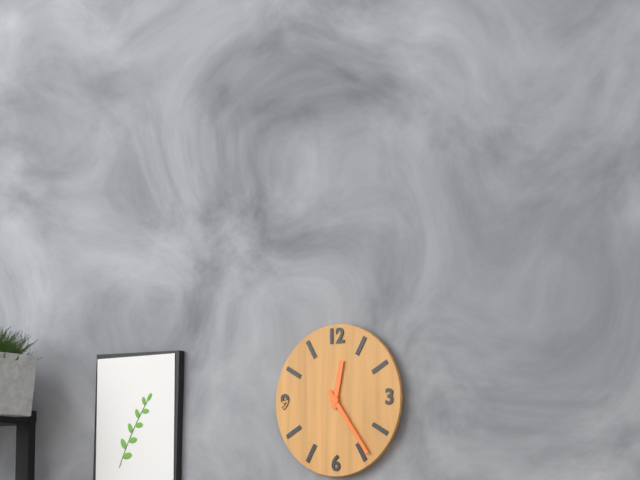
12:24
